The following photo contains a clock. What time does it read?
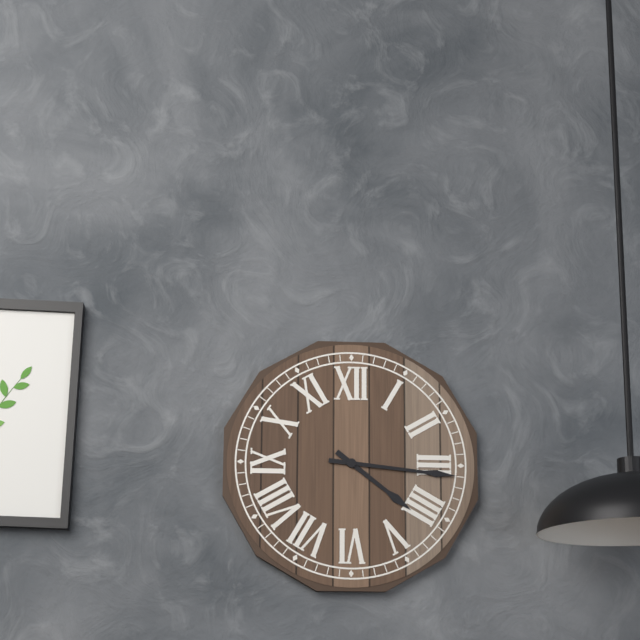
4:16
